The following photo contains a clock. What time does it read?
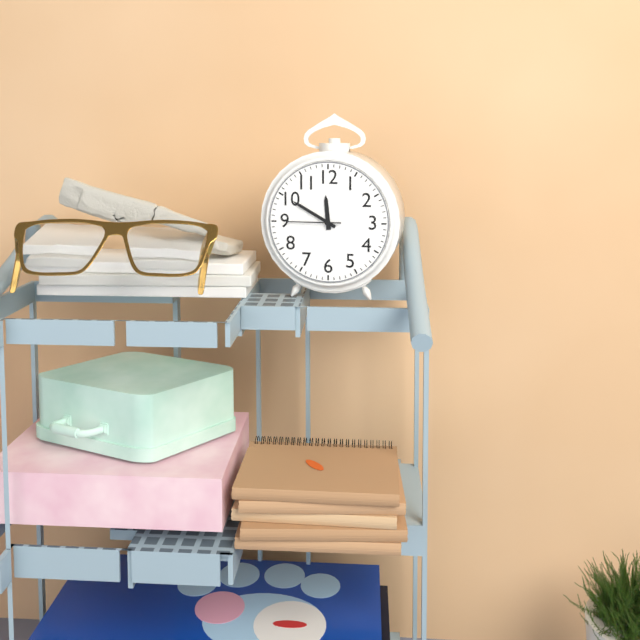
11:50:45
